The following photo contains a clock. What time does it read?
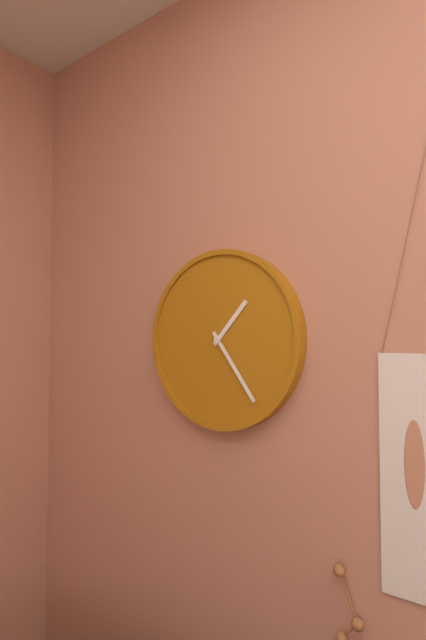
1:24
